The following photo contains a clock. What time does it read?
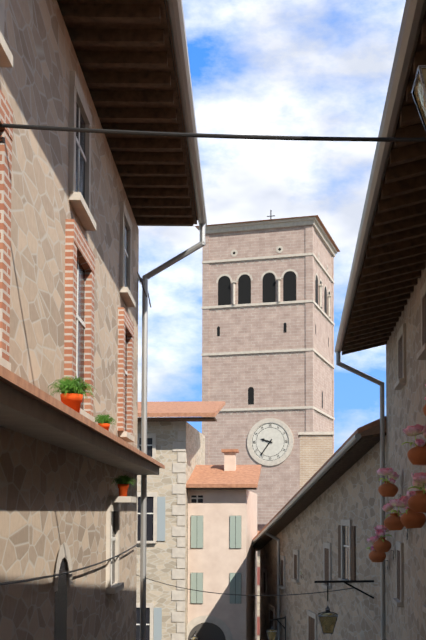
9:36
